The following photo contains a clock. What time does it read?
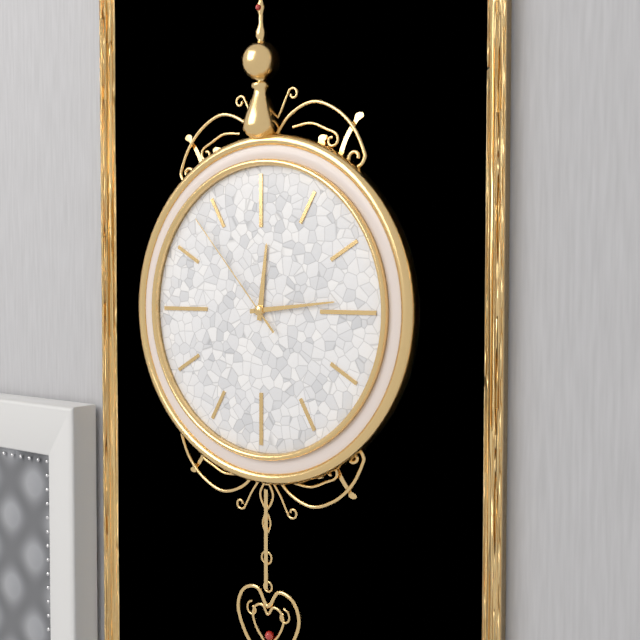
12:14:53
